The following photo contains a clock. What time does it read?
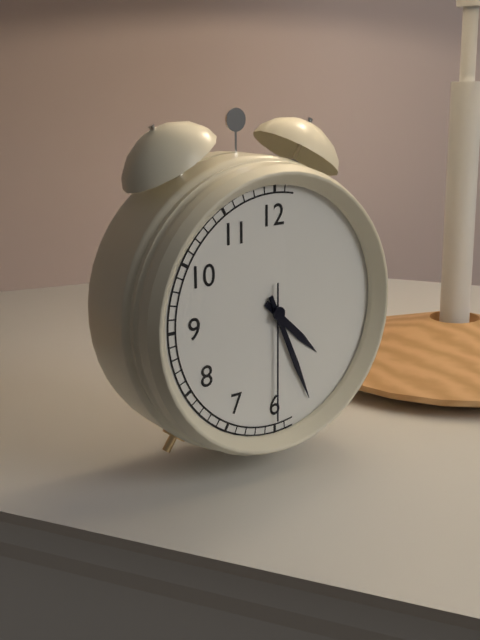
4:26:30
